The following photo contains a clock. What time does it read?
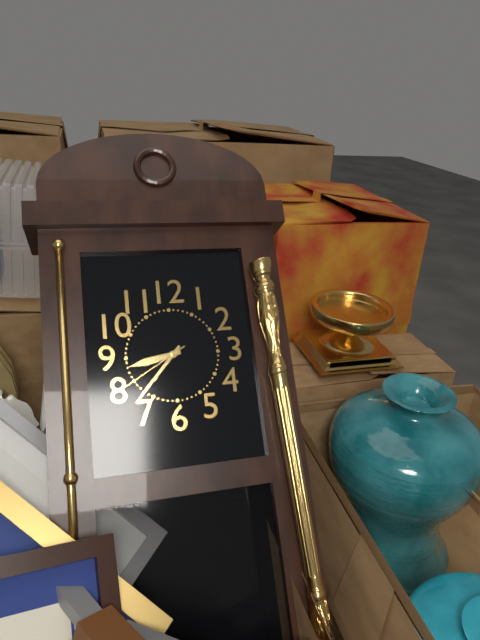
8:37:40
